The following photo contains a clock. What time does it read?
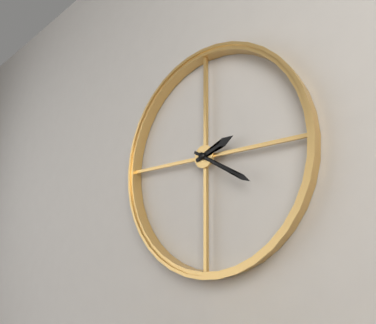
2:20
